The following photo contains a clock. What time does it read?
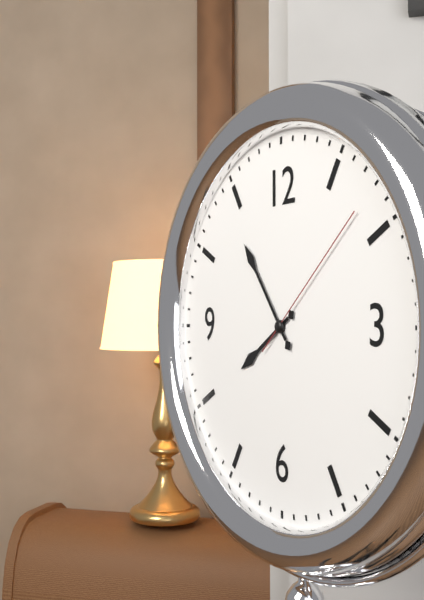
7:54:08
